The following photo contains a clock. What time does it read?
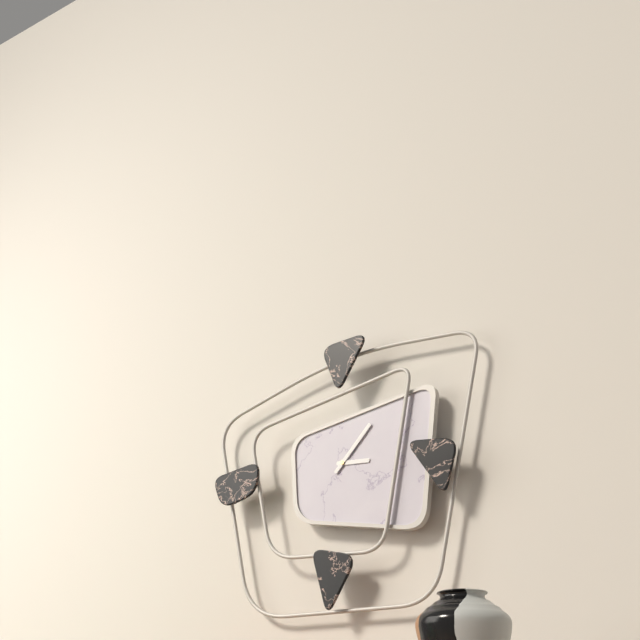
3:07
